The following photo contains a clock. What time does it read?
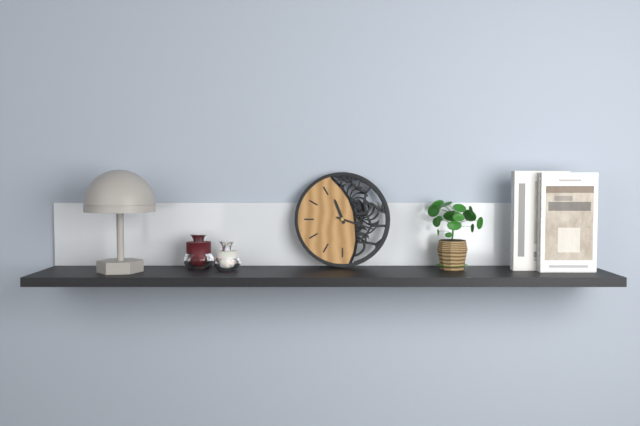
11:18
